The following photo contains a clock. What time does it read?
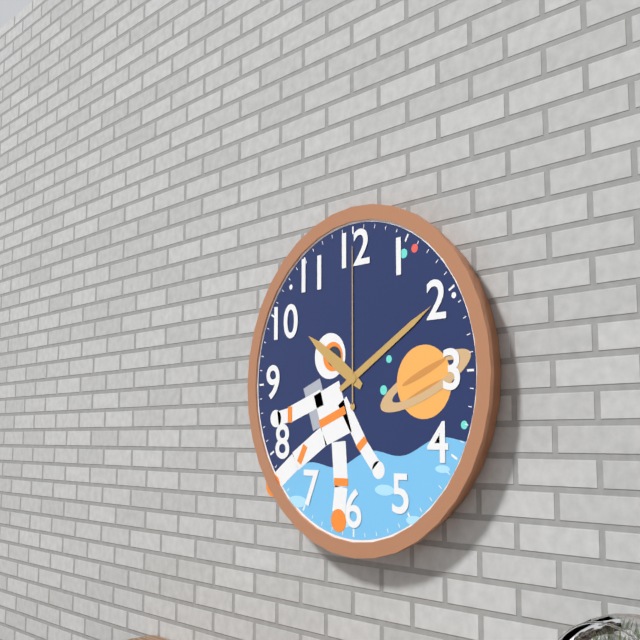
10:10:00
